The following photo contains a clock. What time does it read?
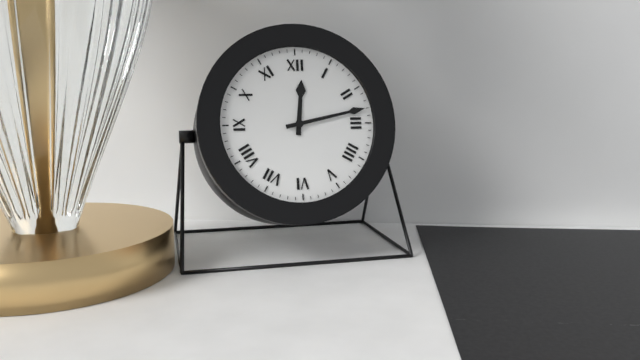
12:13
